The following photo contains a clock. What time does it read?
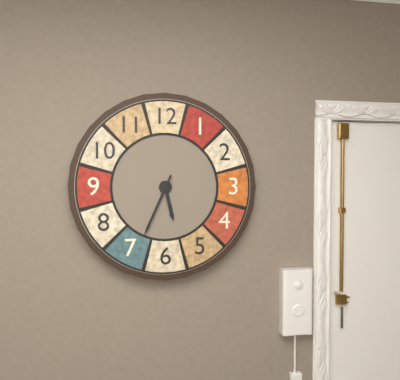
5:34
